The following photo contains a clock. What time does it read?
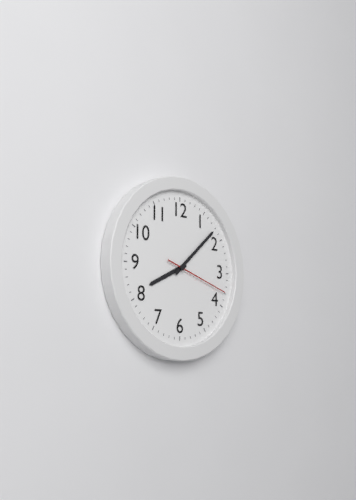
8:08:18
